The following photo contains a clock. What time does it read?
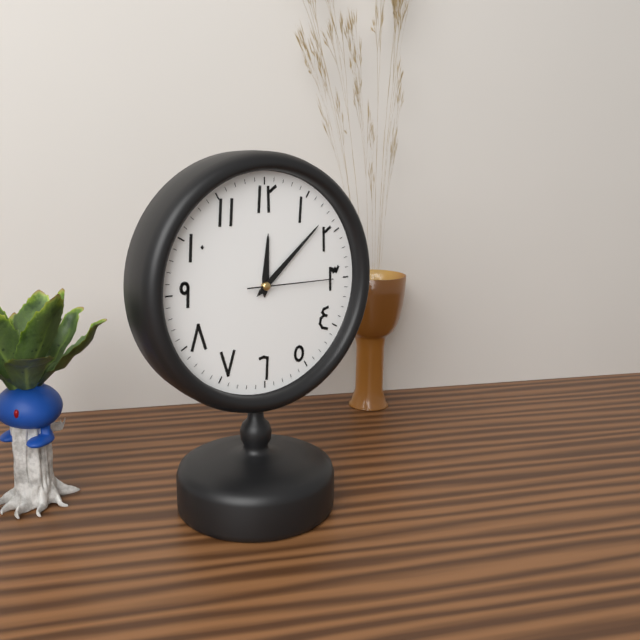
12:08:15
